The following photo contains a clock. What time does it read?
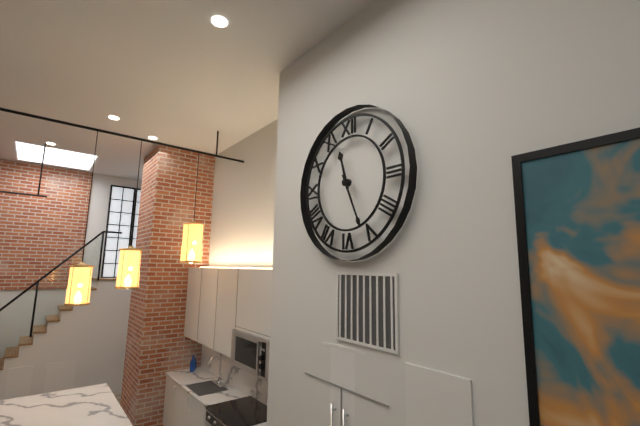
11:26
